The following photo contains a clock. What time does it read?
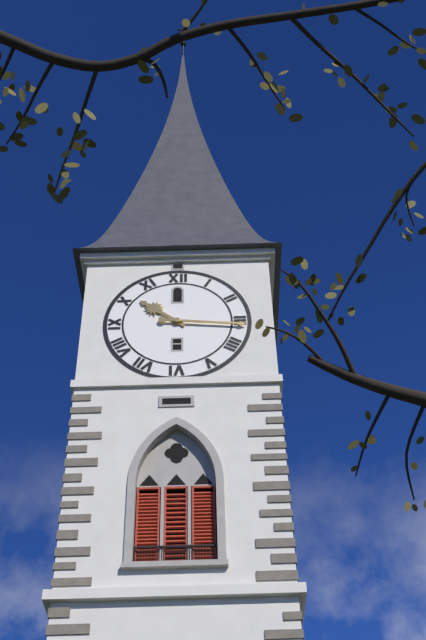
10:16
